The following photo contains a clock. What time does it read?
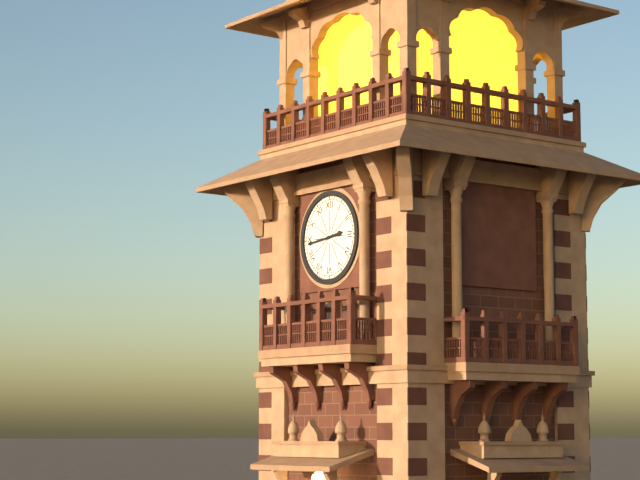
2:44
